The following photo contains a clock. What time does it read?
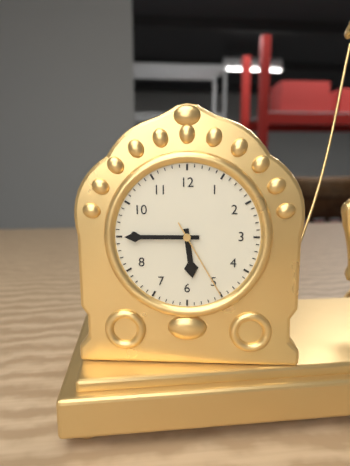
5:45:25
